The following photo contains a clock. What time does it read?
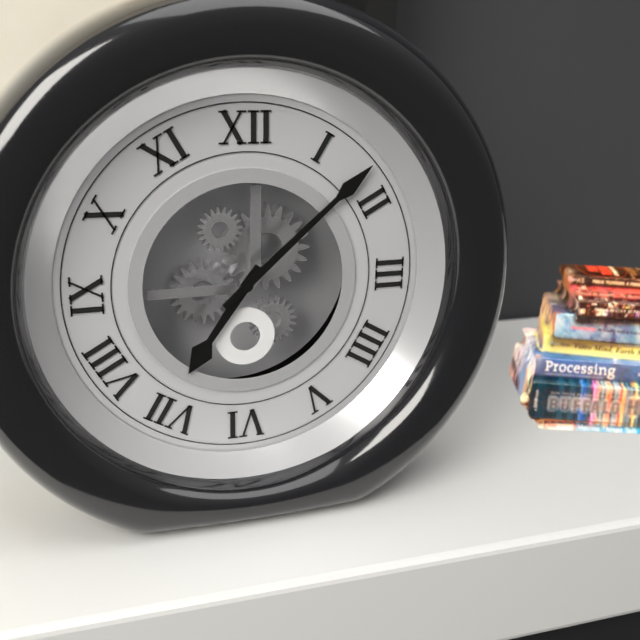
7:08
